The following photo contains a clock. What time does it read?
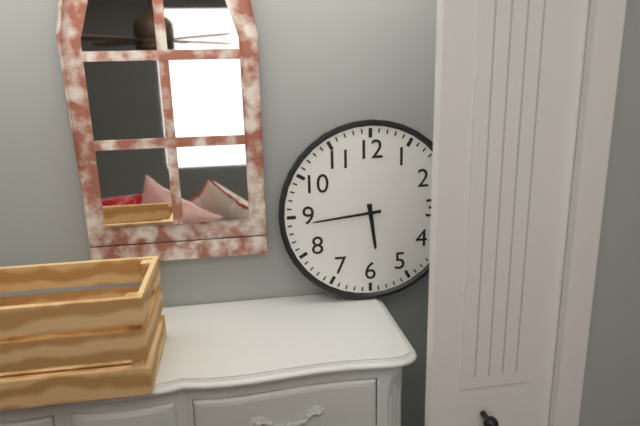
5:44
